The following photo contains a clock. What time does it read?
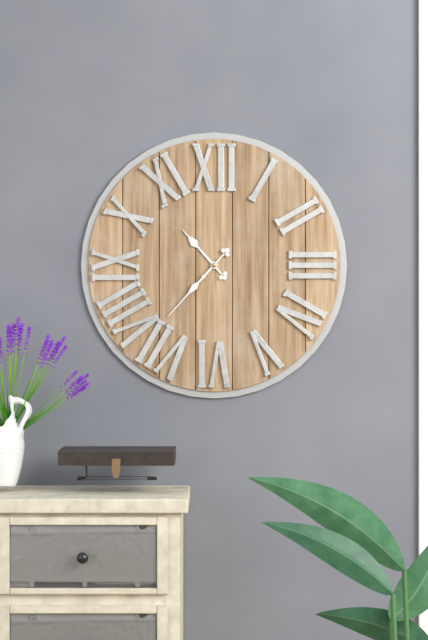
10:37
